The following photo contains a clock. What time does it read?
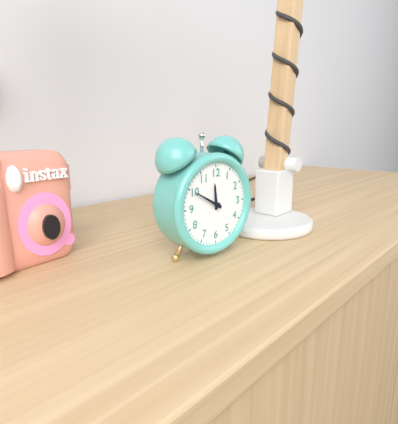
11:50
